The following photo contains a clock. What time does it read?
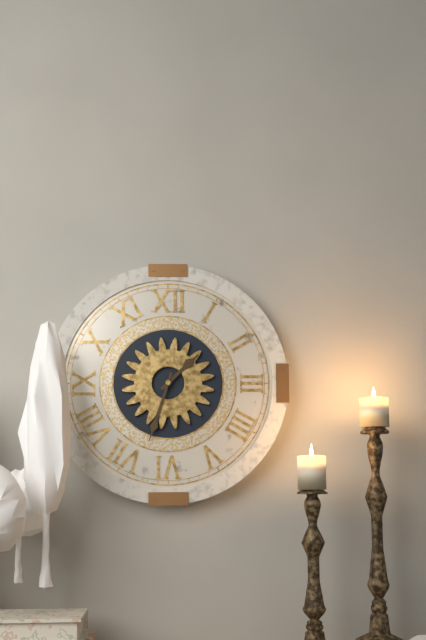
1:33
